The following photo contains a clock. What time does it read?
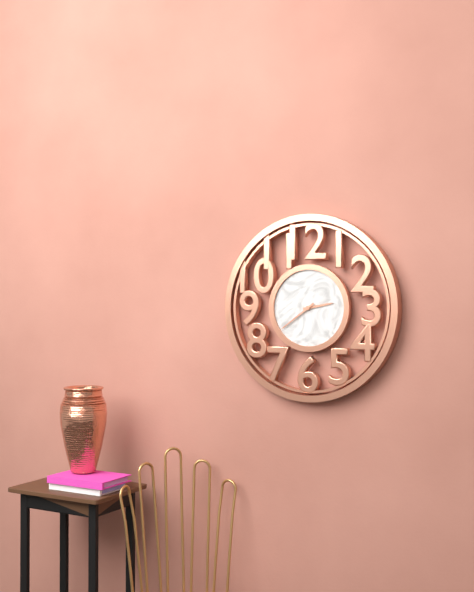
2:39
